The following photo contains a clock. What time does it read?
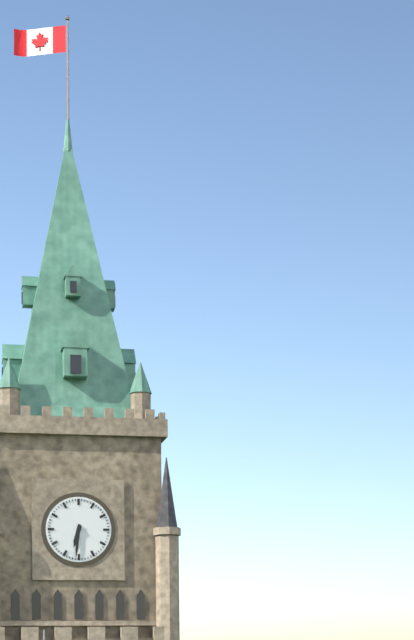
6:31
